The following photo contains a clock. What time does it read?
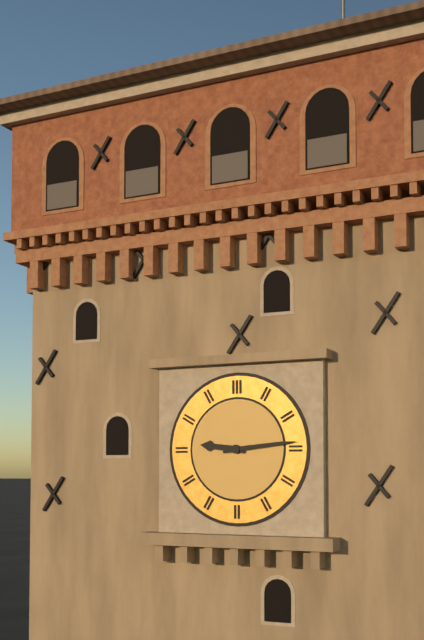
9:14
